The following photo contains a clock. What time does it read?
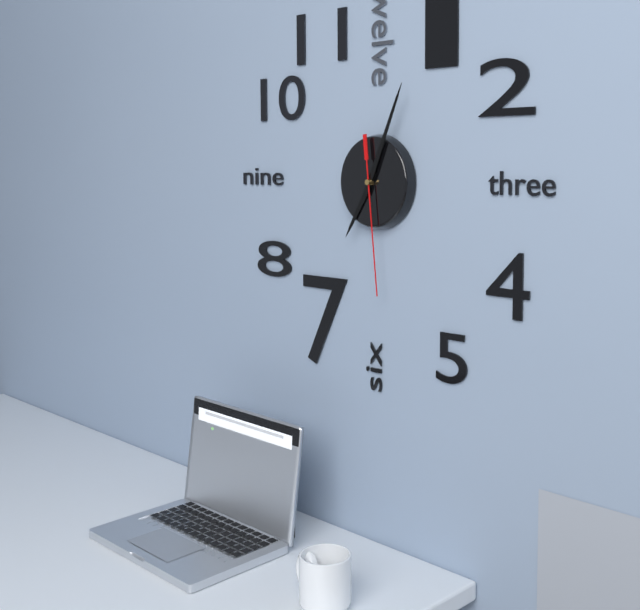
7:04:29
